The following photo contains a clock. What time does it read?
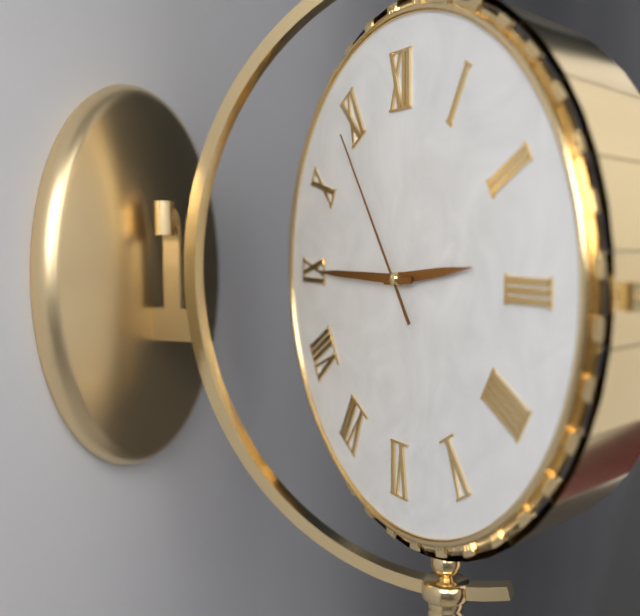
2:45:54
